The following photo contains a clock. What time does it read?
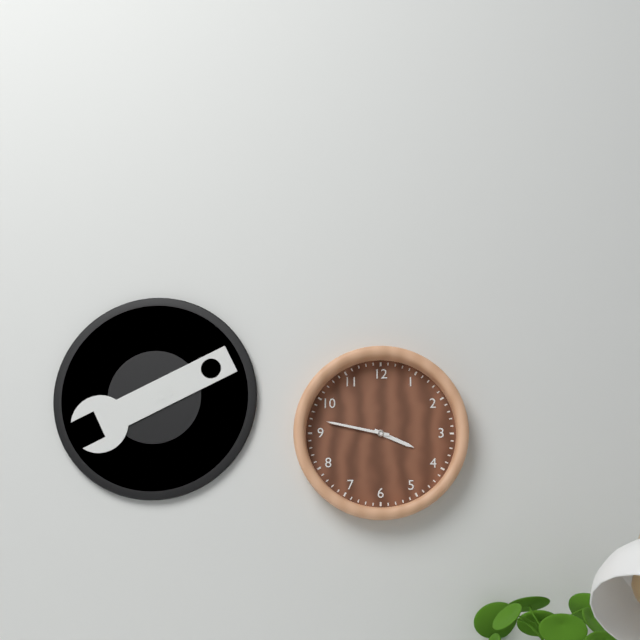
3:47
